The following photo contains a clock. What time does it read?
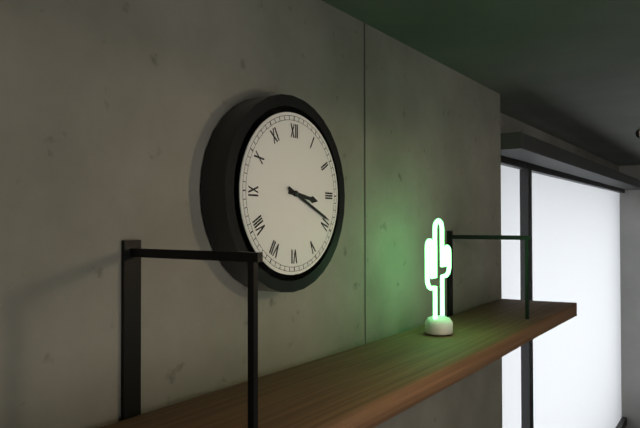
3:19
